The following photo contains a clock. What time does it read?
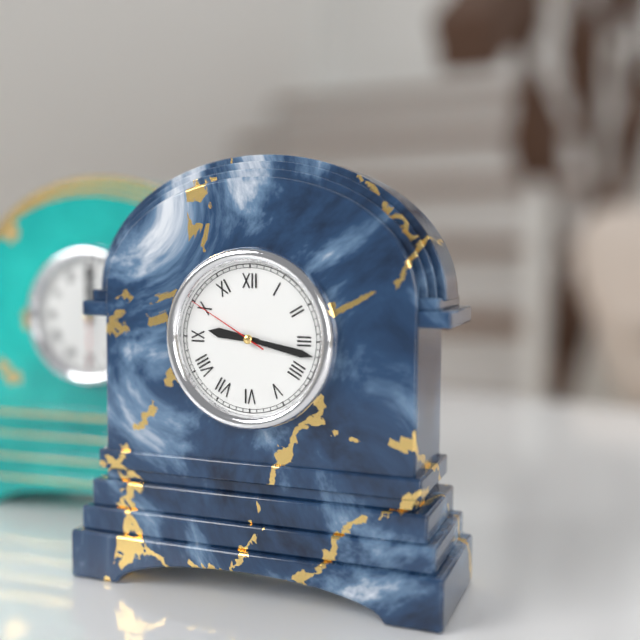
9:17:50
